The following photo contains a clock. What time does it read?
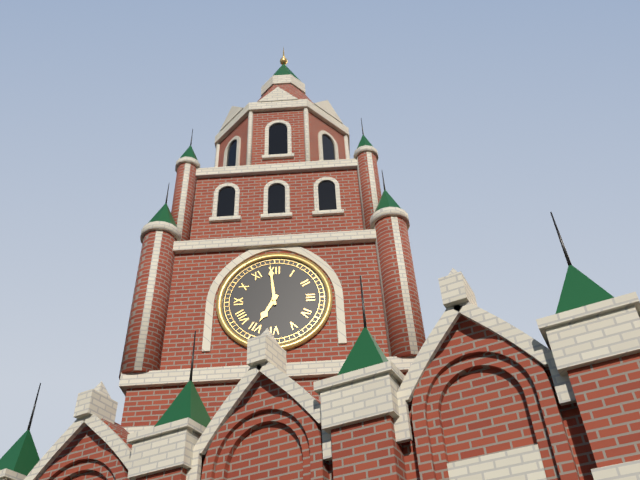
6:59
